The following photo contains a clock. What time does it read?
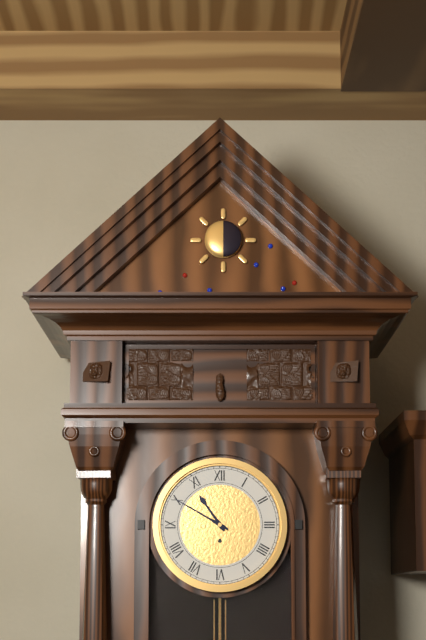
10:50
